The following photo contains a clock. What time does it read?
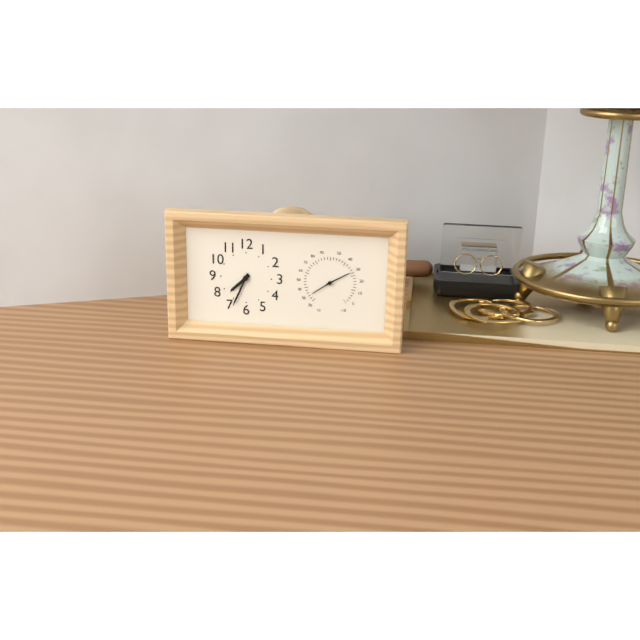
7:34
